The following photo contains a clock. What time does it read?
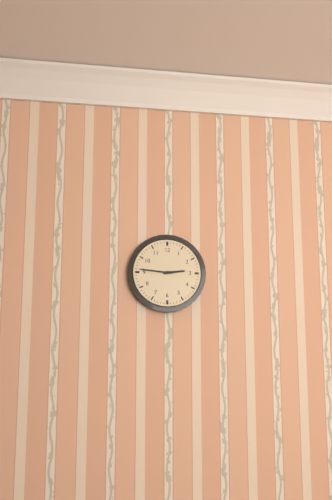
2:46
